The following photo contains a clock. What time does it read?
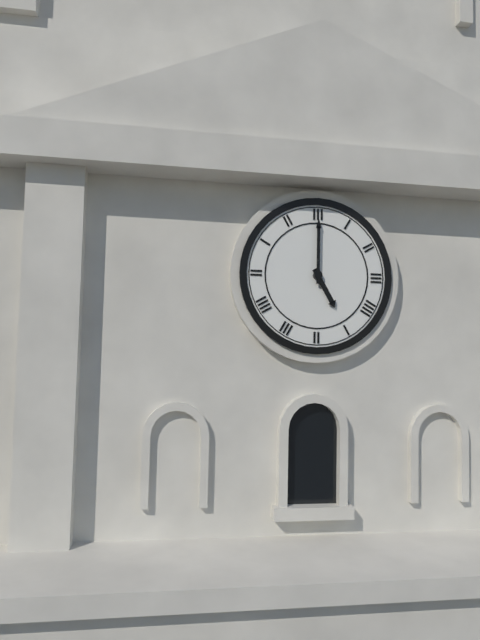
5:00
